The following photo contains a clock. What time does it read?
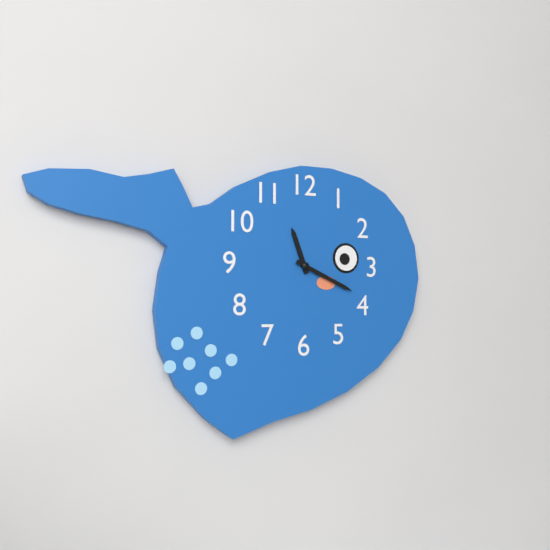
11:19
